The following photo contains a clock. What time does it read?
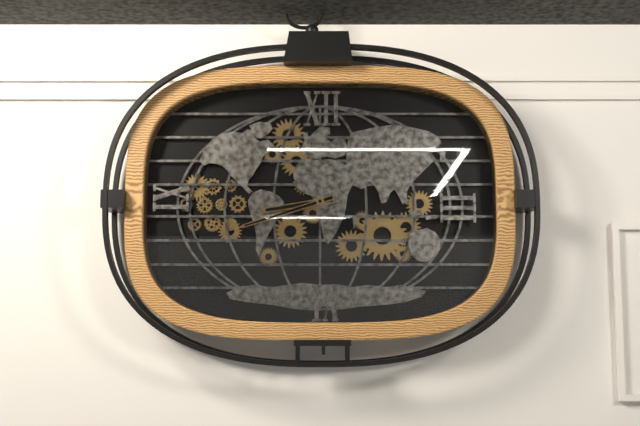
8:42
